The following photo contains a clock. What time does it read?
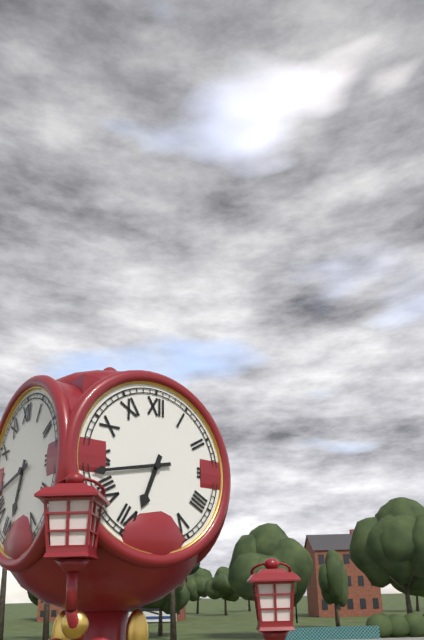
6:43
